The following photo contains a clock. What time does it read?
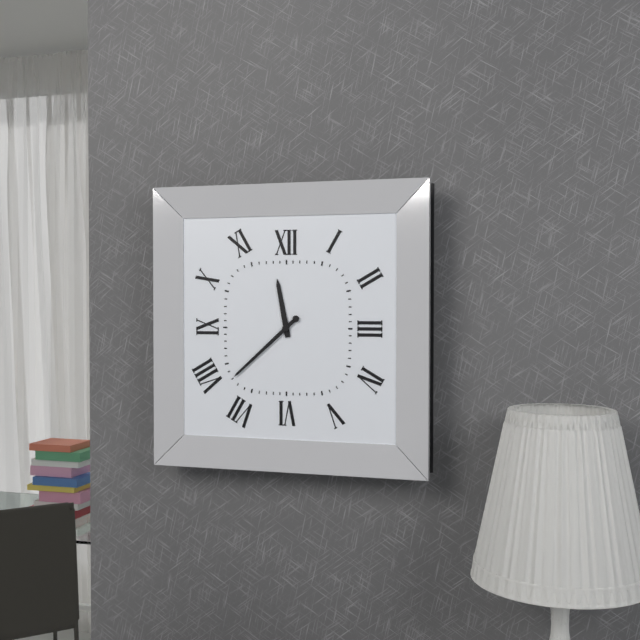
11:38
